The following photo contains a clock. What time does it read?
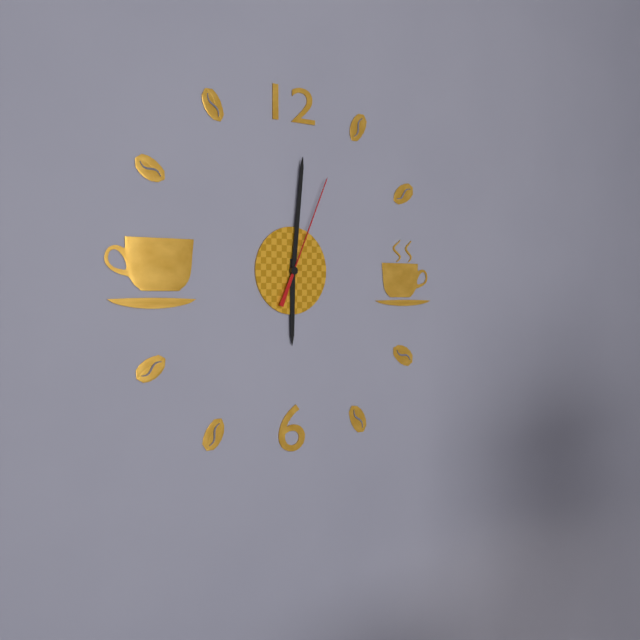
6:01:04
